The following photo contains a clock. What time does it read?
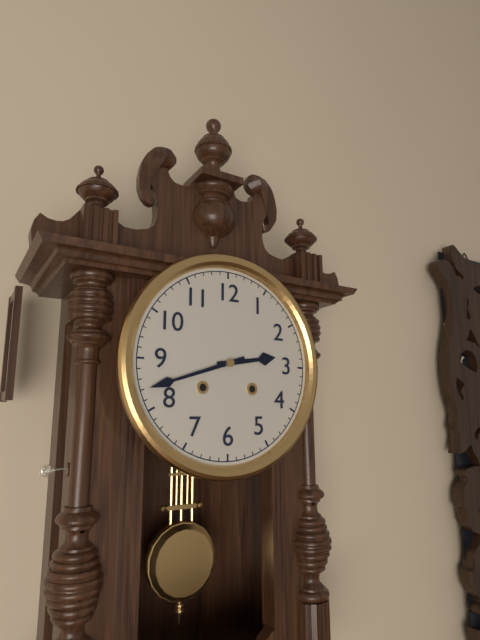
2:42
